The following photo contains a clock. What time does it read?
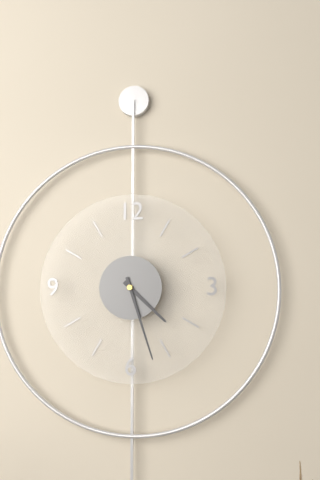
4:27
